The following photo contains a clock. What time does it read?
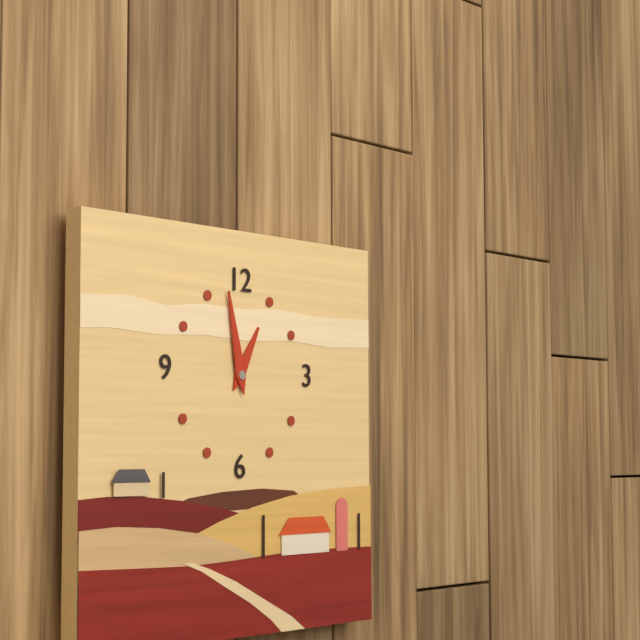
12:58
